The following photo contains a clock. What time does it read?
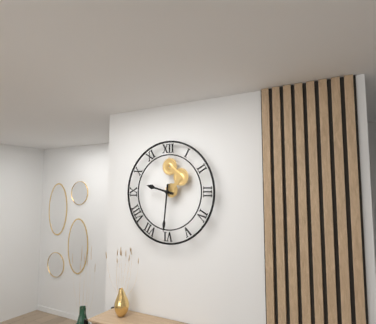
9:31
